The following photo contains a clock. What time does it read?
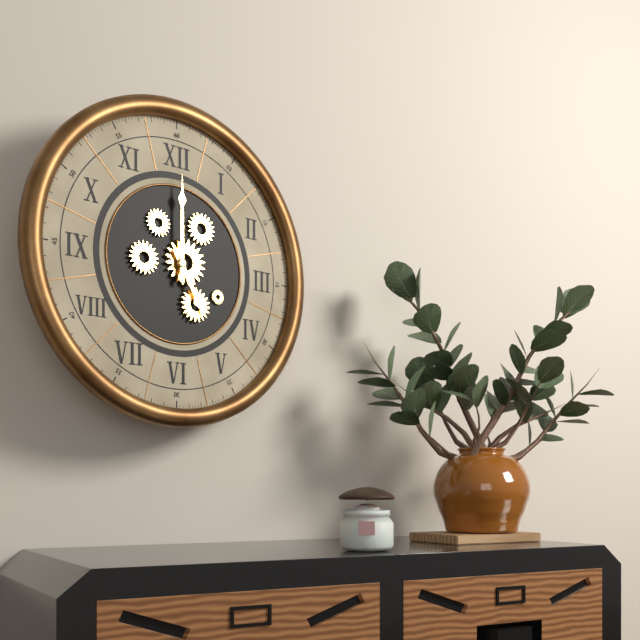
5:00
